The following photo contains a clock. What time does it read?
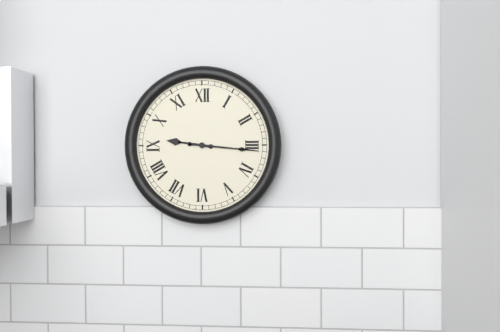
9:16
